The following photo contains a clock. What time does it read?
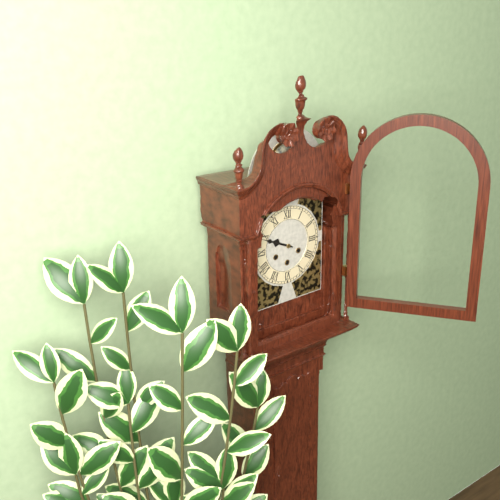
9:49
